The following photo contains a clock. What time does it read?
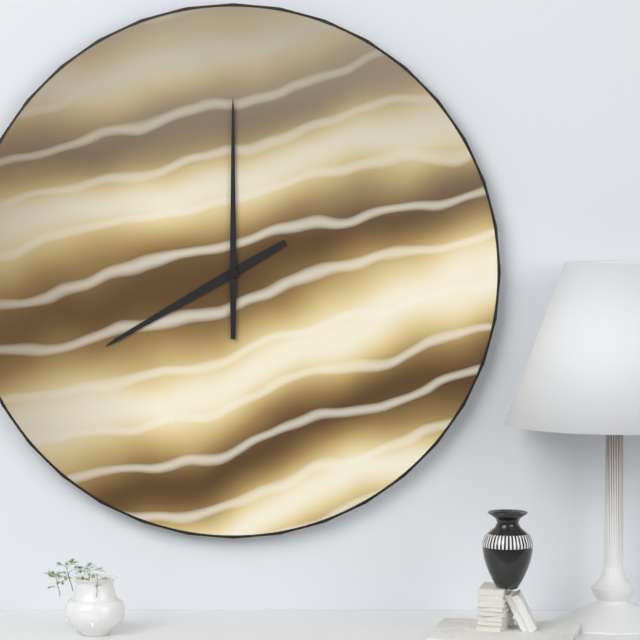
8:00
